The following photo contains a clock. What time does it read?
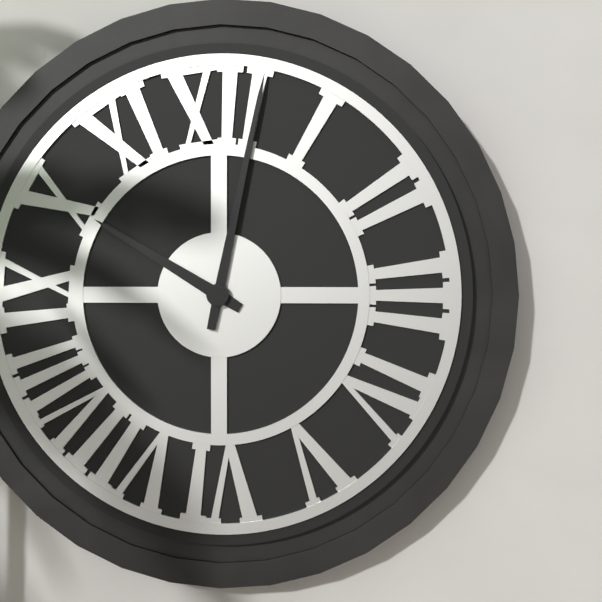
10:02
